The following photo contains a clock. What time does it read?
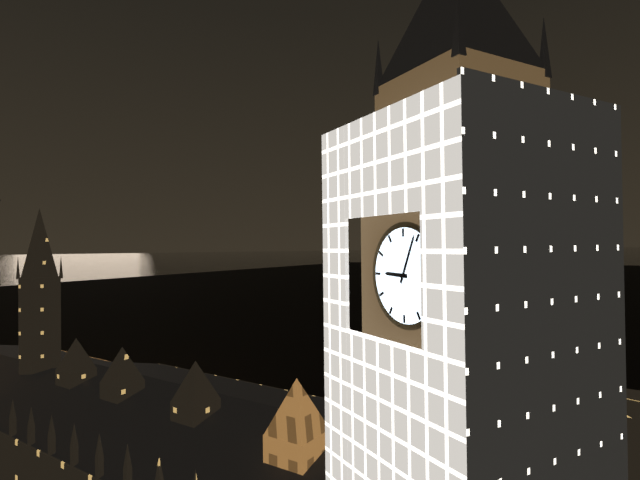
9:04
